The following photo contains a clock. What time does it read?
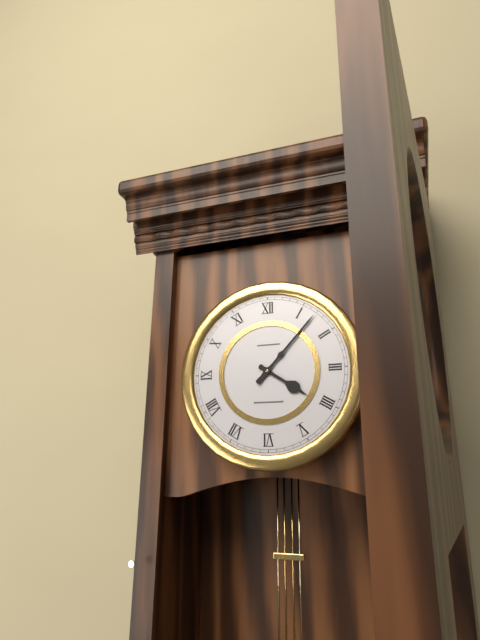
4:07
